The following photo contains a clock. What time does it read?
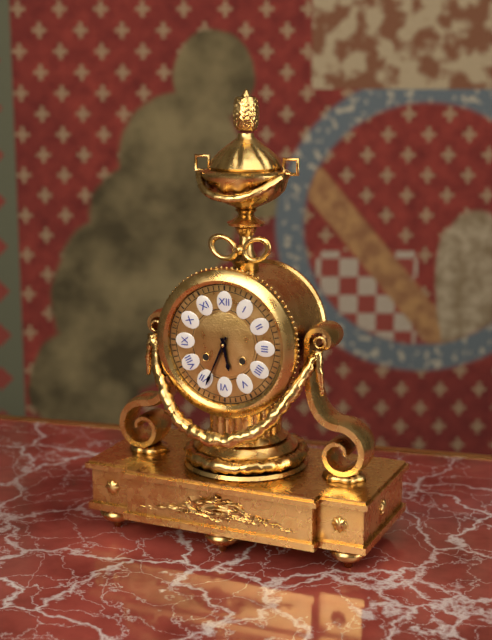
5:34
